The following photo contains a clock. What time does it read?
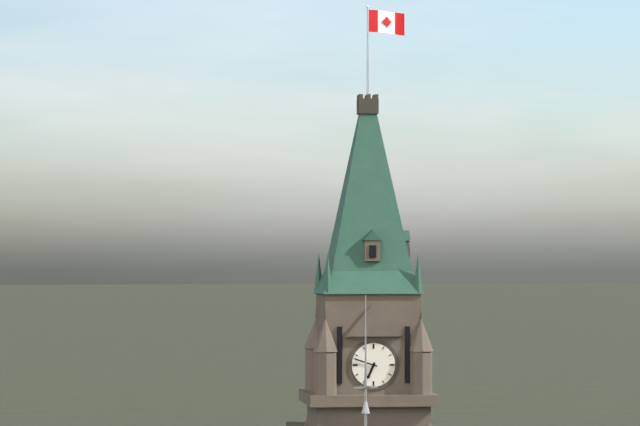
6:48
